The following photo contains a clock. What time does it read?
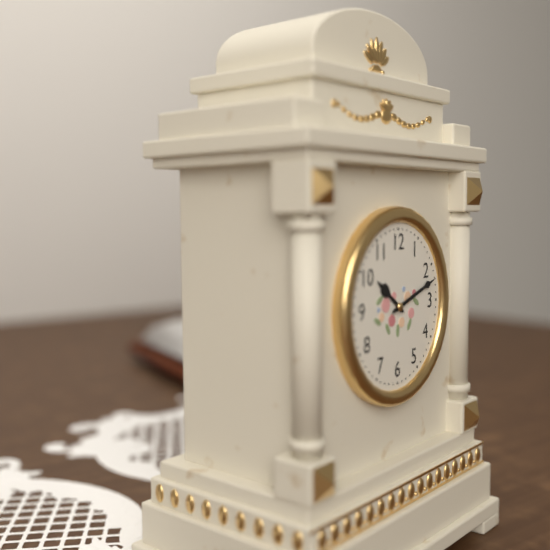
10:12
